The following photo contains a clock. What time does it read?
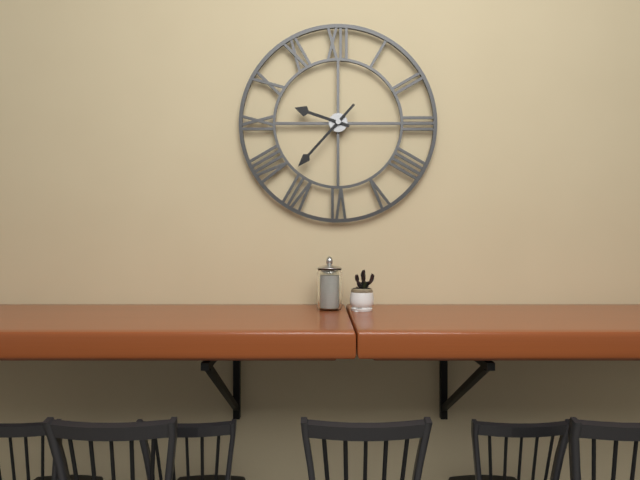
9:37
